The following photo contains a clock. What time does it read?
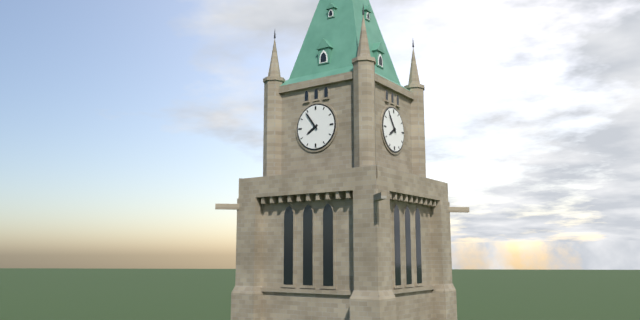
7:54
